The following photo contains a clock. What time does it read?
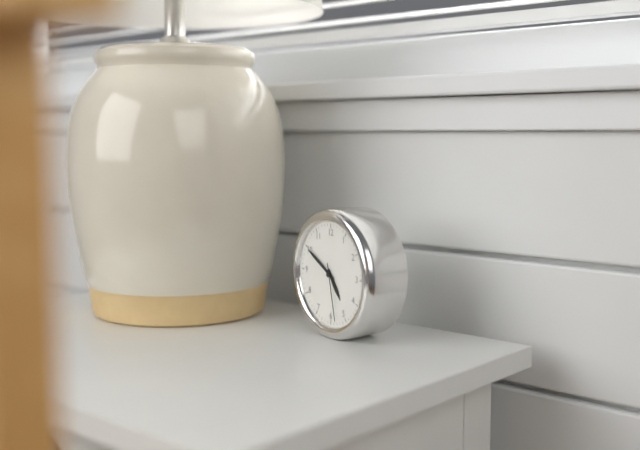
4:50:28
